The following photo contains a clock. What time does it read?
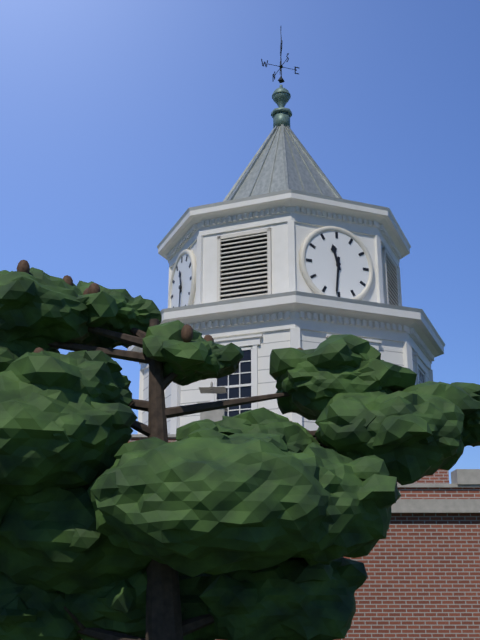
11:31
